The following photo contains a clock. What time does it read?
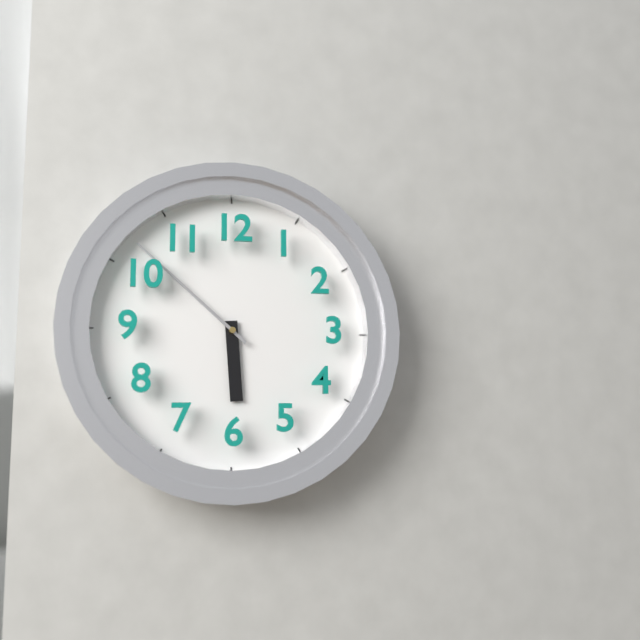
5:52
